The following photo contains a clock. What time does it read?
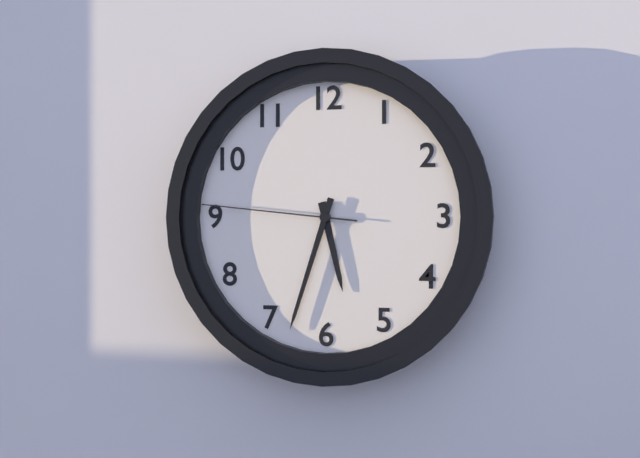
5:33:46
